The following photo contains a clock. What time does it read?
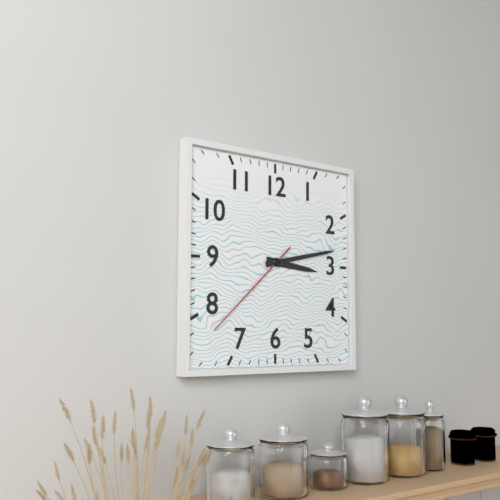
3:13:38
